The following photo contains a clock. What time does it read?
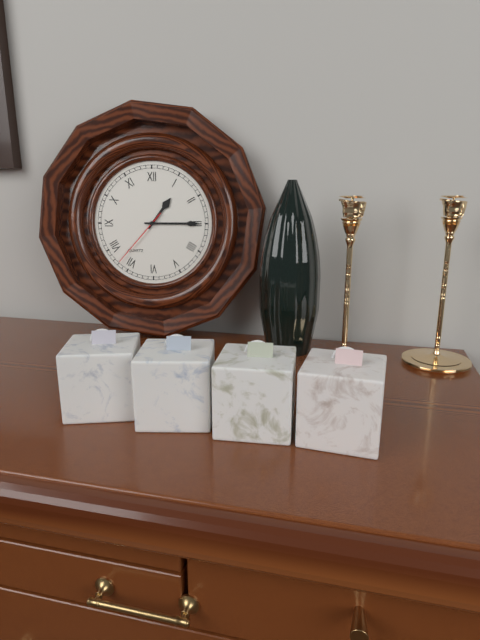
1:15:37
